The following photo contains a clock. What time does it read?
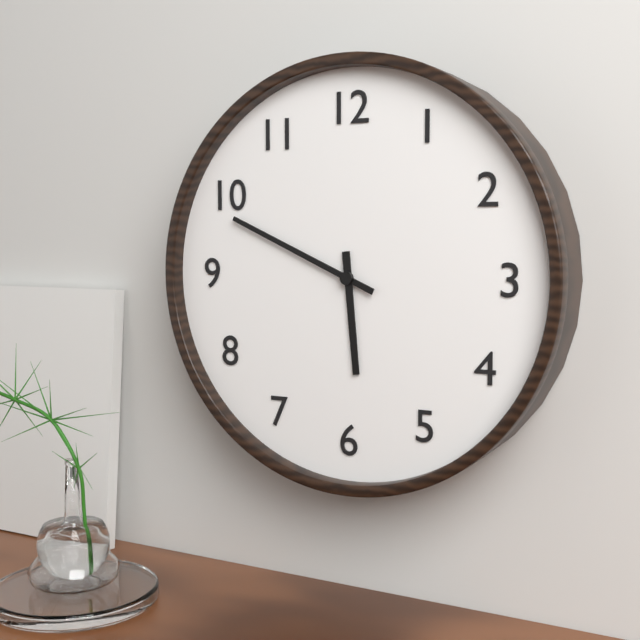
5:49
